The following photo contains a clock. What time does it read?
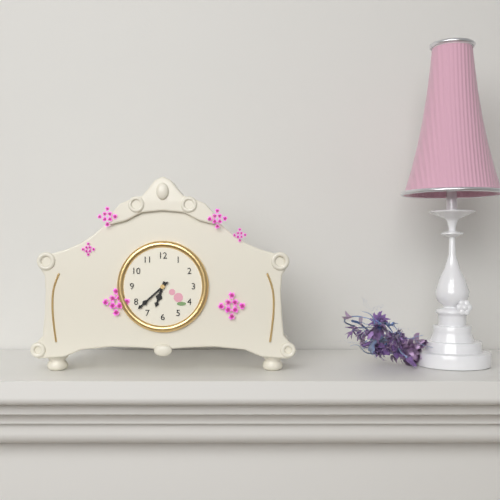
6:38
